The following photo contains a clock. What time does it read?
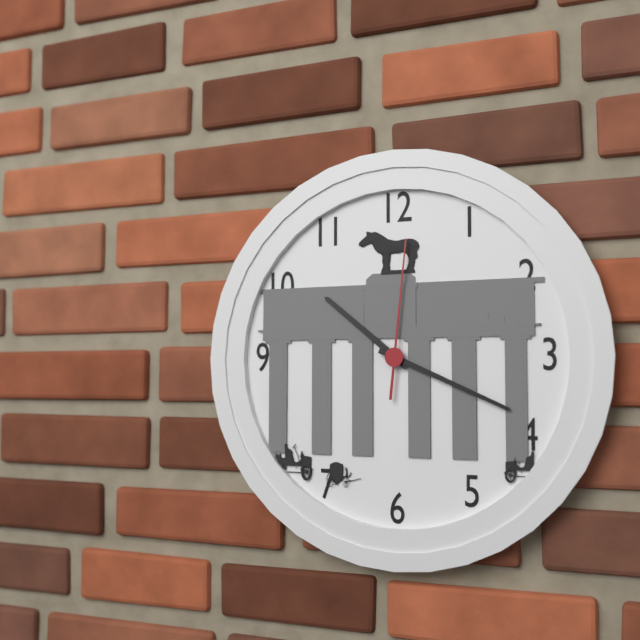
10:19:01
